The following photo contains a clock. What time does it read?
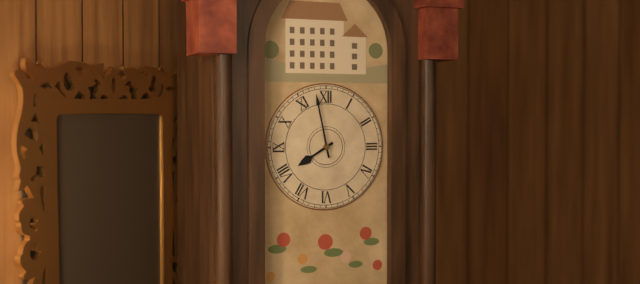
7:58
